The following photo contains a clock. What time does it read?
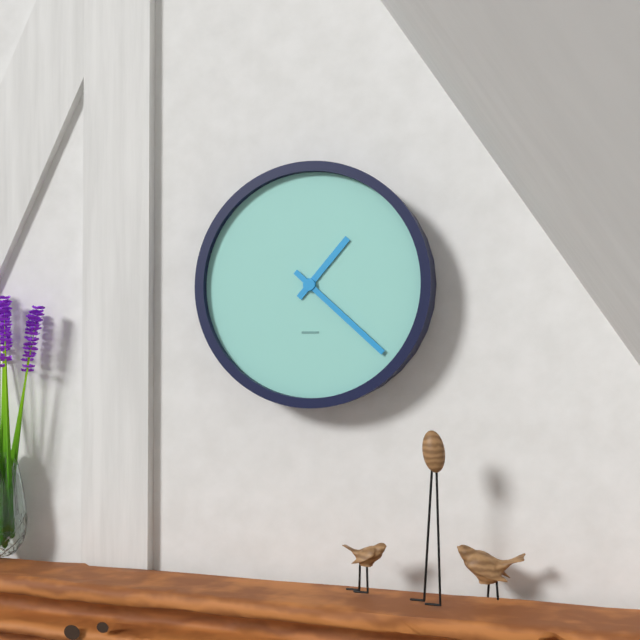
1:22
